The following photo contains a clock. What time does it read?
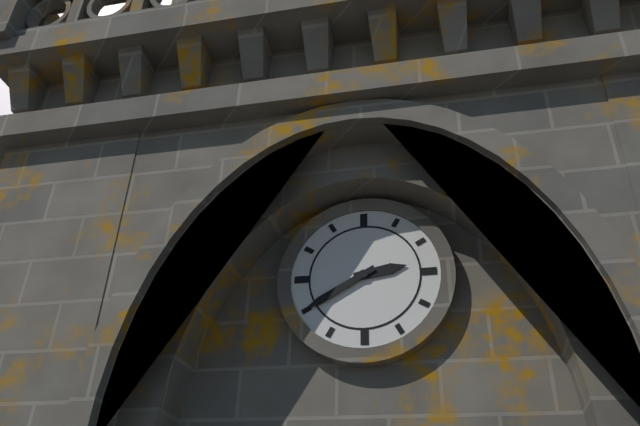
2:40
